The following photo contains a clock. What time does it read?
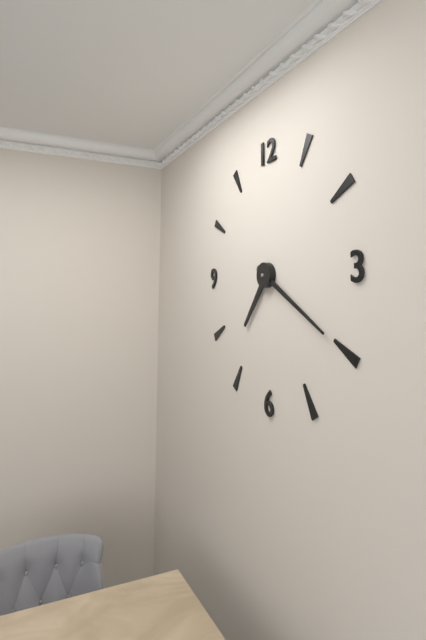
7:20
